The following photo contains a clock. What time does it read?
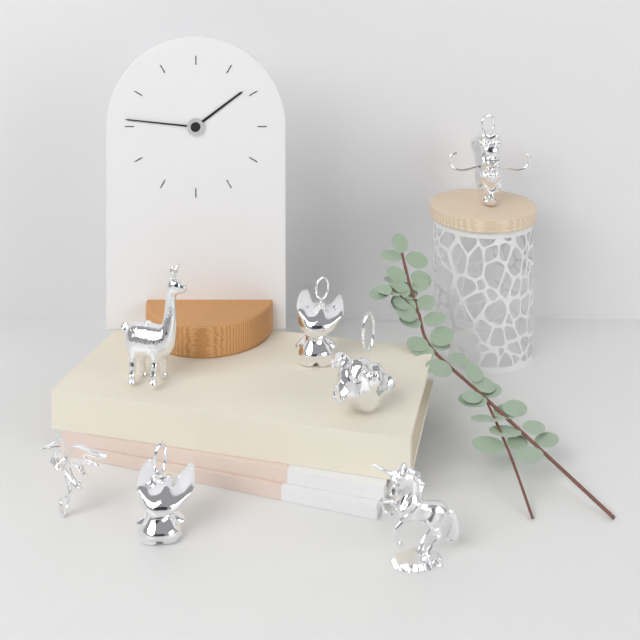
1:46
